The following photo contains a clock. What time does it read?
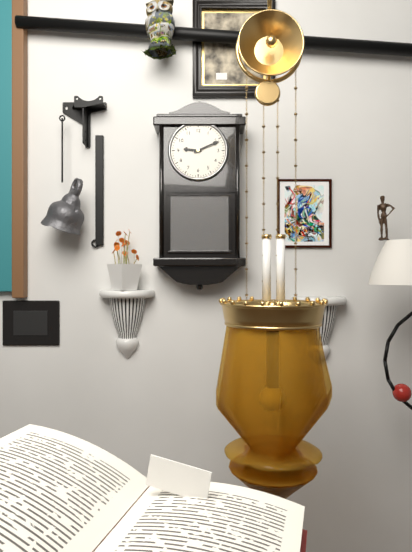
9:11
